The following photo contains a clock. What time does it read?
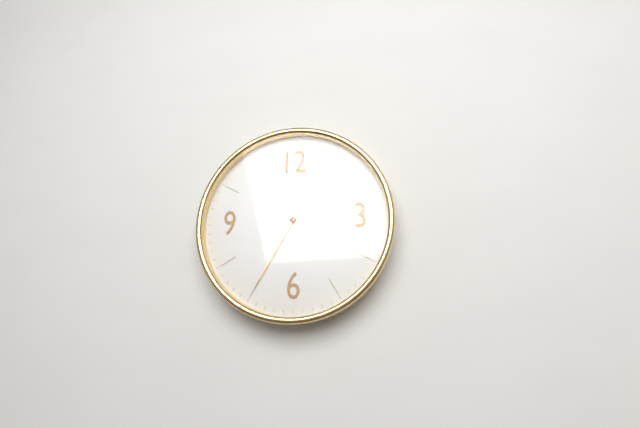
10:35
